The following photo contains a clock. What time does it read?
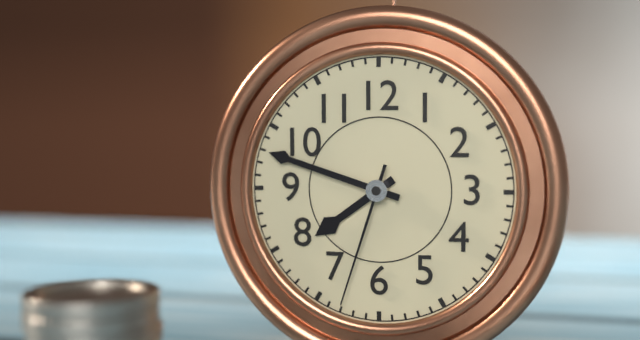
7:48:33
